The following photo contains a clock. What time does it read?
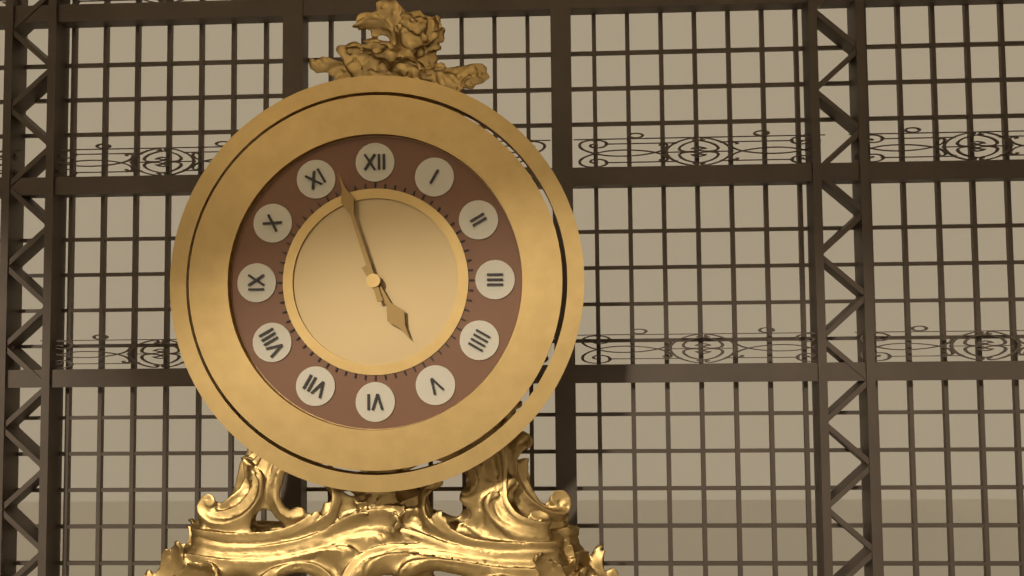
4:57
